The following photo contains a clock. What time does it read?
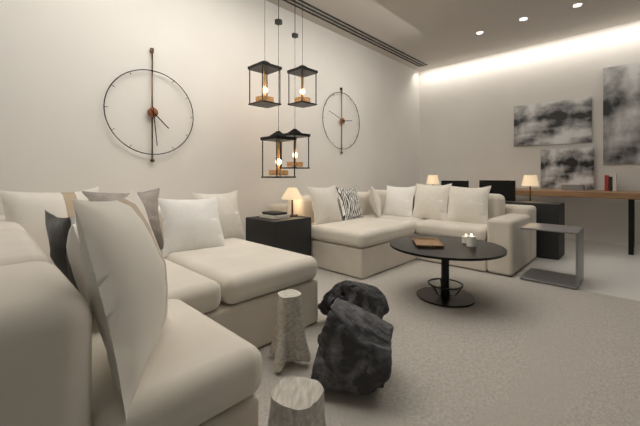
4:29
